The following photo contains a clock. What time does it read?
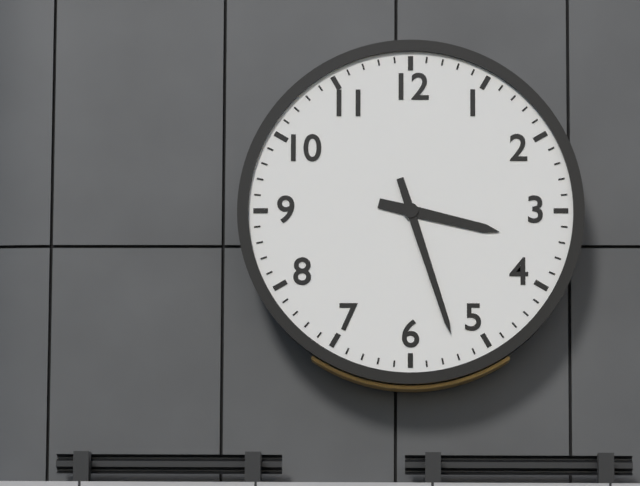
3:27
